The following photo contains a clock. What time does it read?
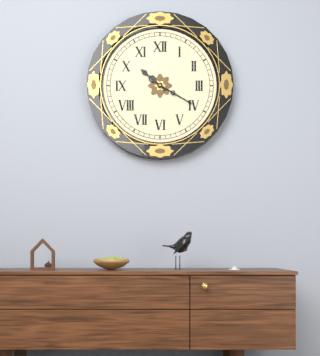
10:20
